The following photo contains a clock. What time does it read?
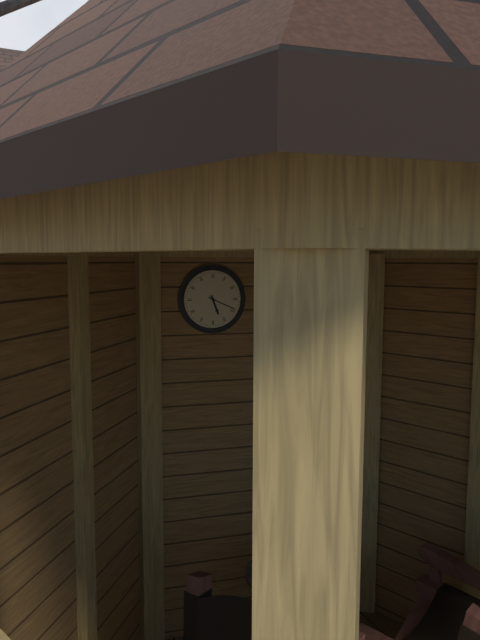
5:19
